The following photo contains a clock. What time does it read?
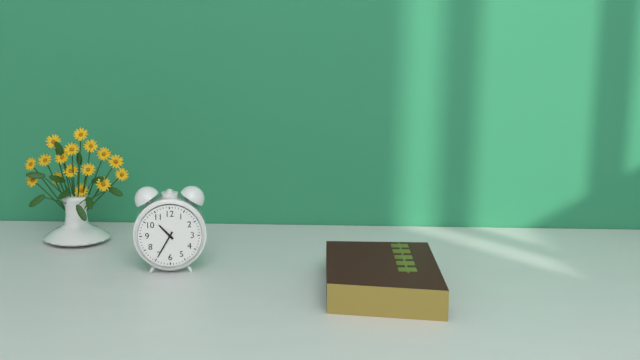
10:35
